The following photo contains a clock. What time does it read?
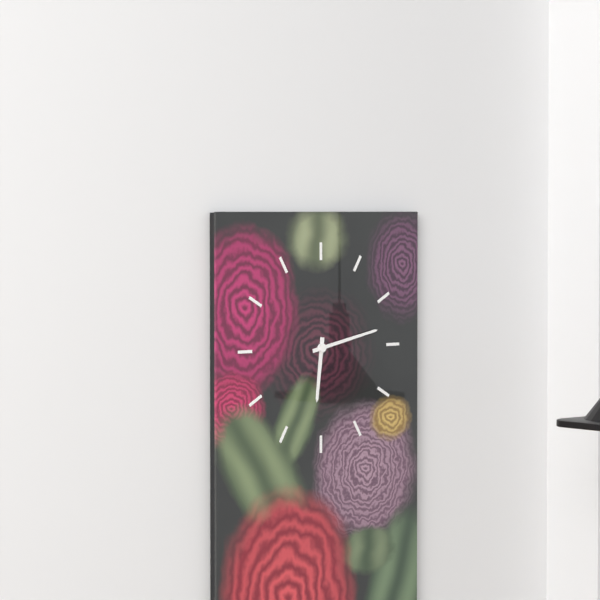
6:13
